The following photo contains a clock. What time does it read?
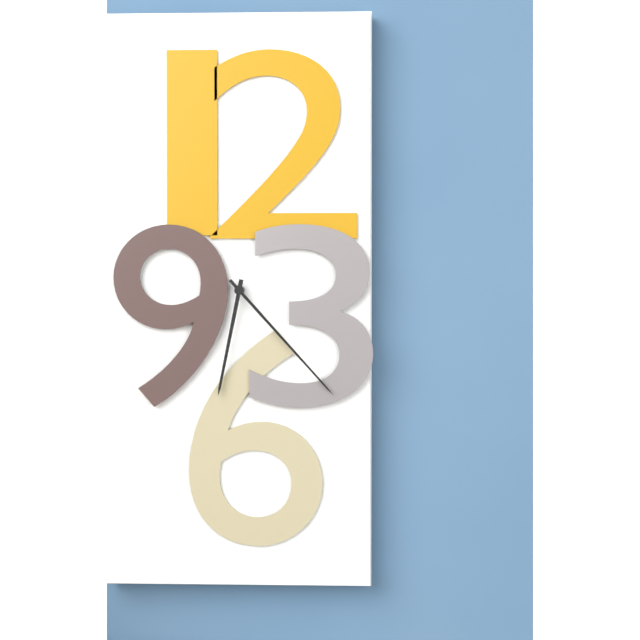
6:23
